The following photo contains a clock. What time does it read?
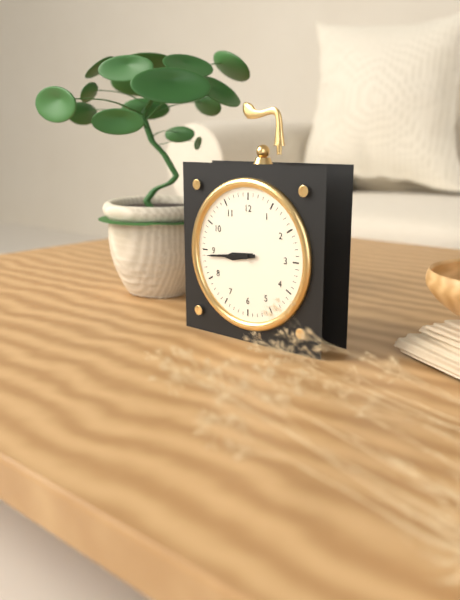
8:44
